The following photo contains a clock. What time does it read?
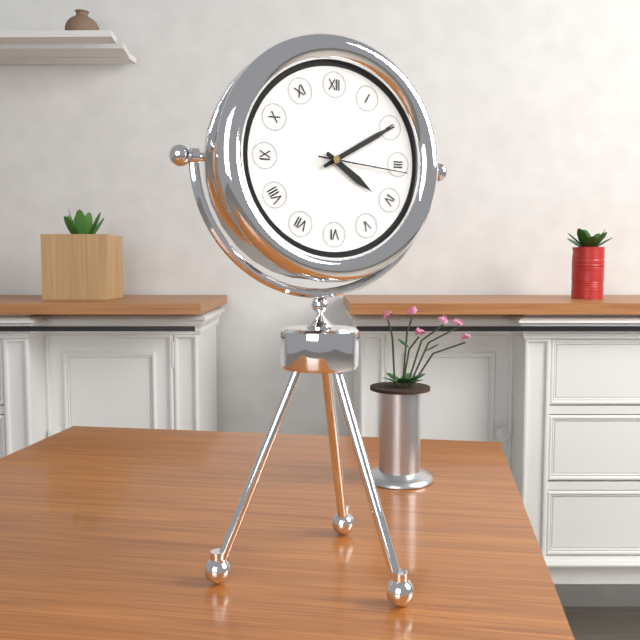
4:10:16
